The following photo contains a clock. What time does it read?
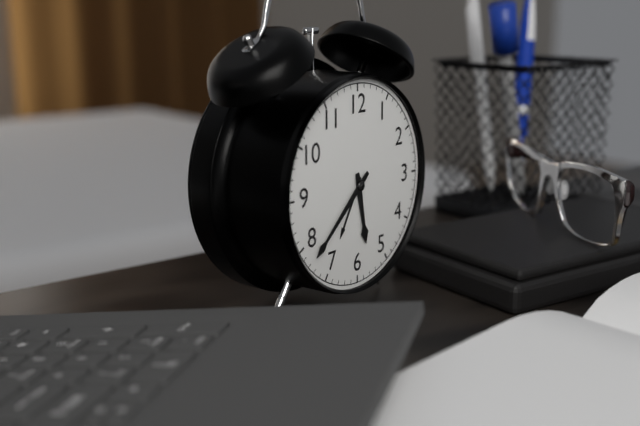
5:38
